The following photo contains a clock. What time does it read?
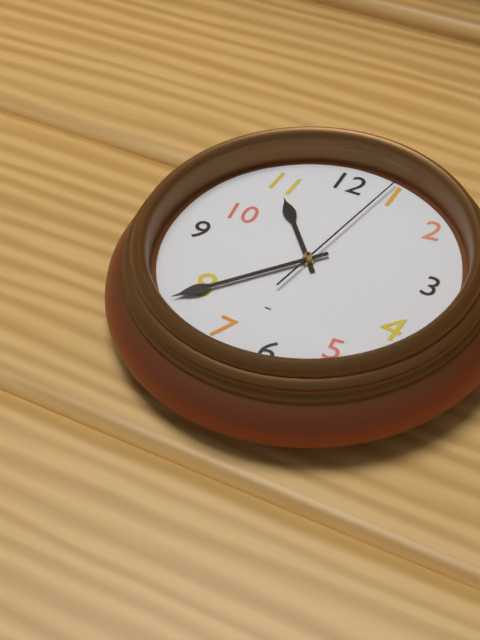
10:37:02
